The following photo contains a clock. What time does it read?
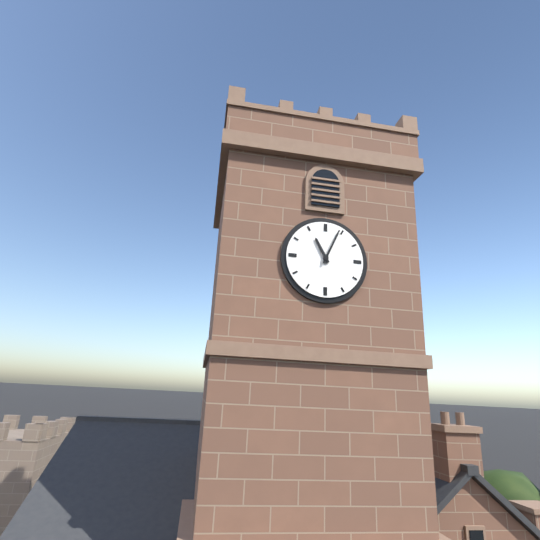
11:04
